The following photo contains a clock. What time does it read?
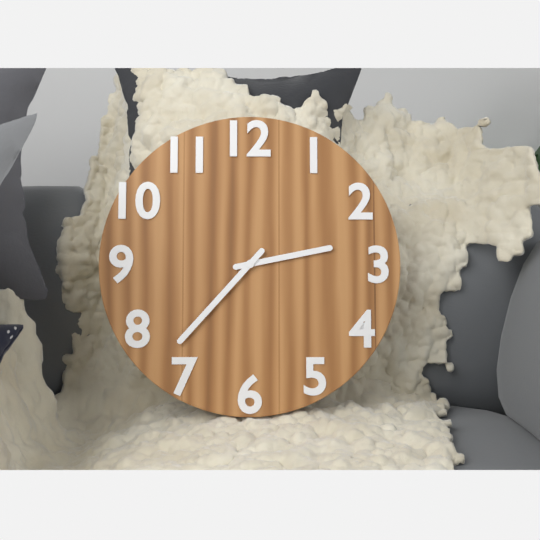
2:37
